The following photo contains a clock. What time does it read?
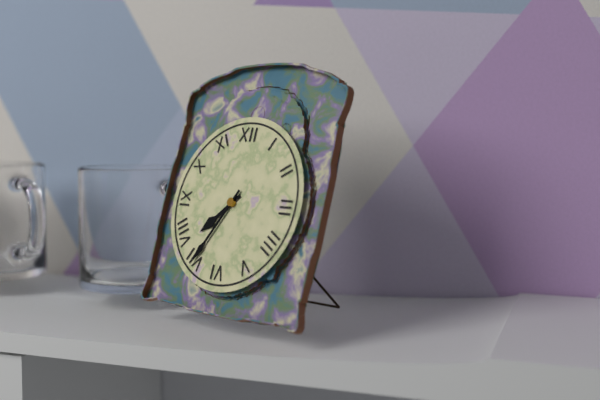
7:35
